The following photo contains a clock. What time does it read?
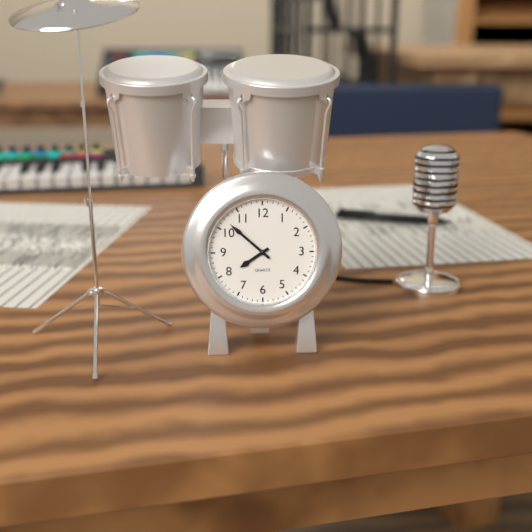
7:52
